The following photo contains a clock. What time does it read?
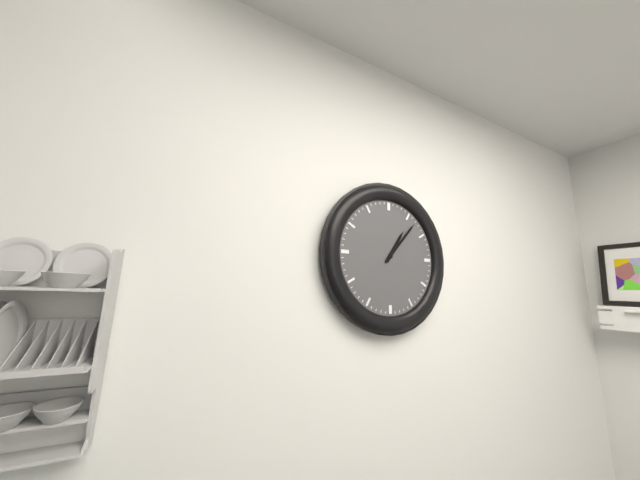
1:07
